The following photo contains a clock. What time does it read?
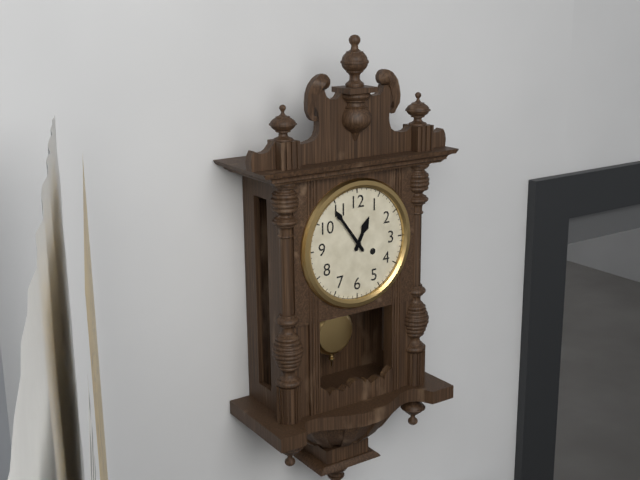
12:54
